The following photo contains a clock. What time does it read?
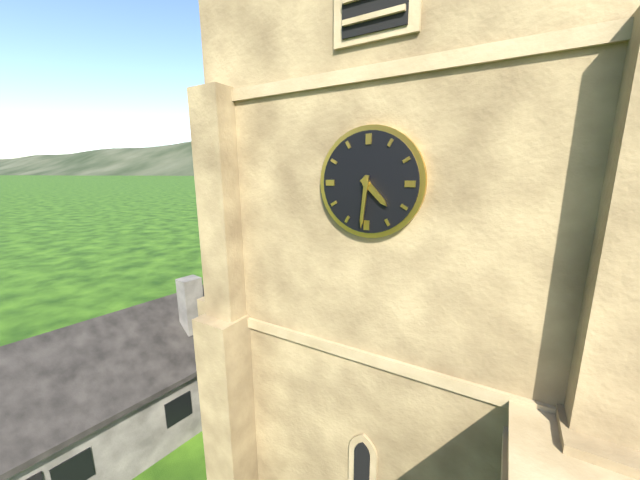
4:31
